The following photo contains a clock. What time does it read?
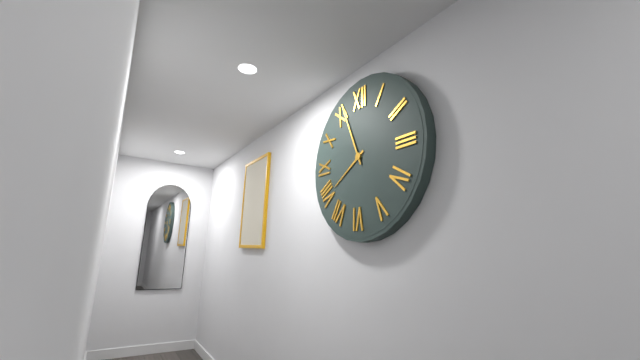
7:56
